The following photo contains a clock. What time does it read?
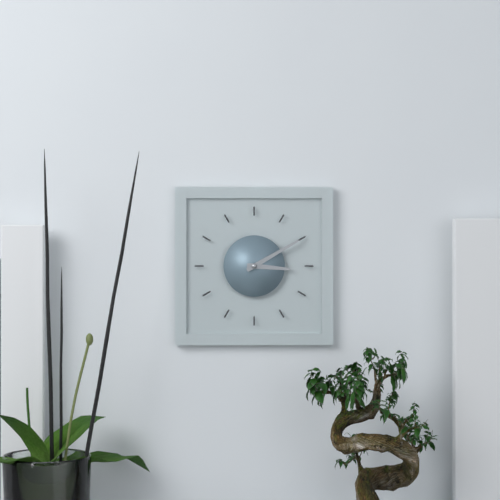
3:10
